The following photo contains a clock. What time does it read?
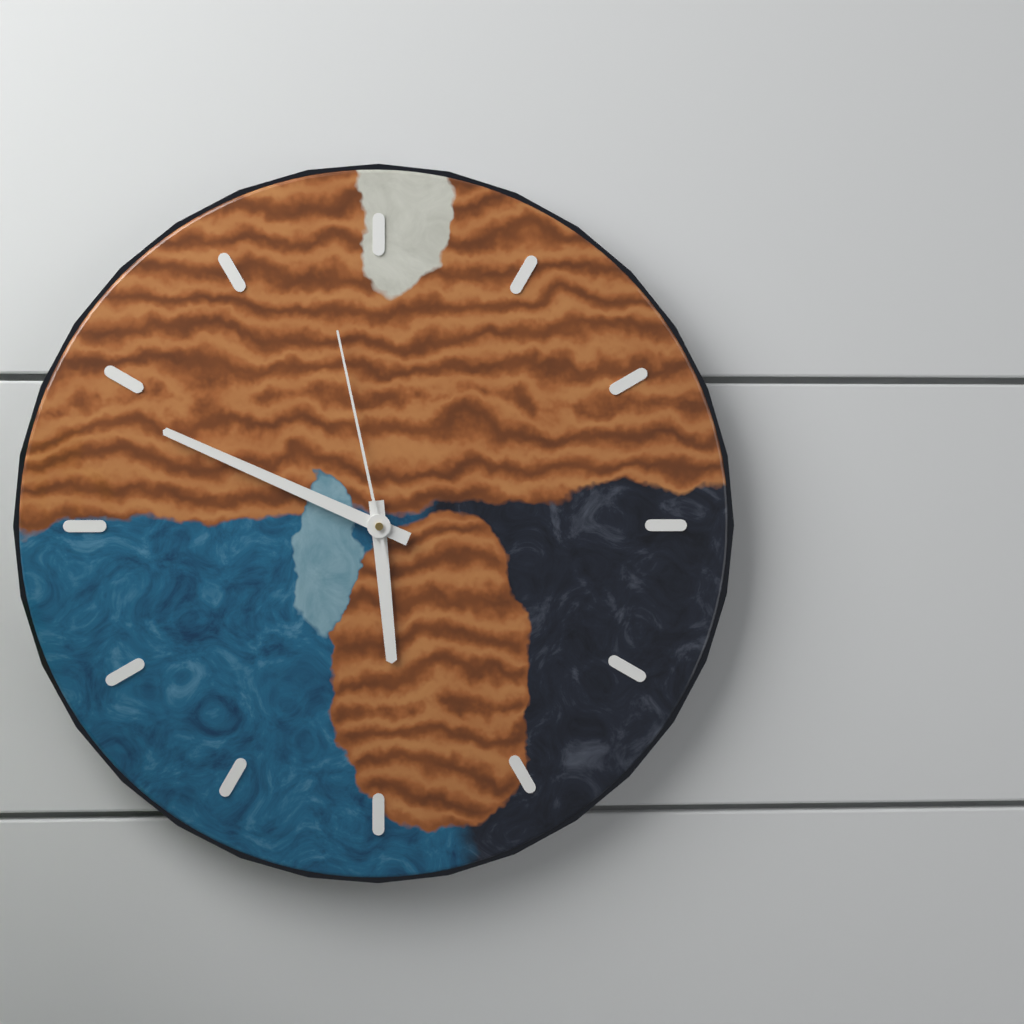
5:49:58
